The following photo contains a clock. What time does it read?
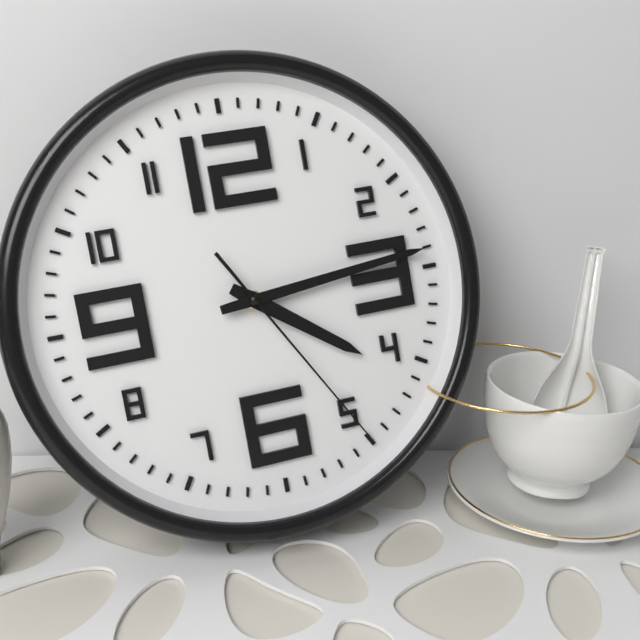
4:14:25
